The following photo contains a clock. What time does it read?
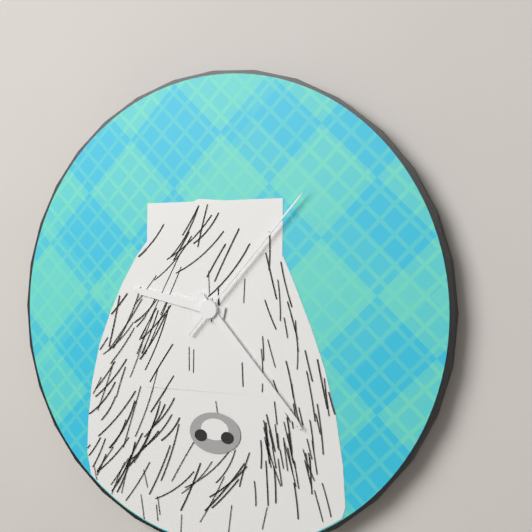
9:23:07
